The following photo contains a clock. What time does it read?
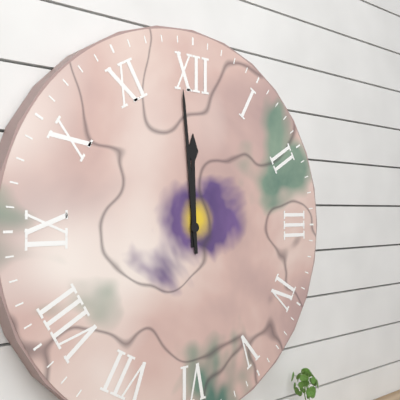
11:59
